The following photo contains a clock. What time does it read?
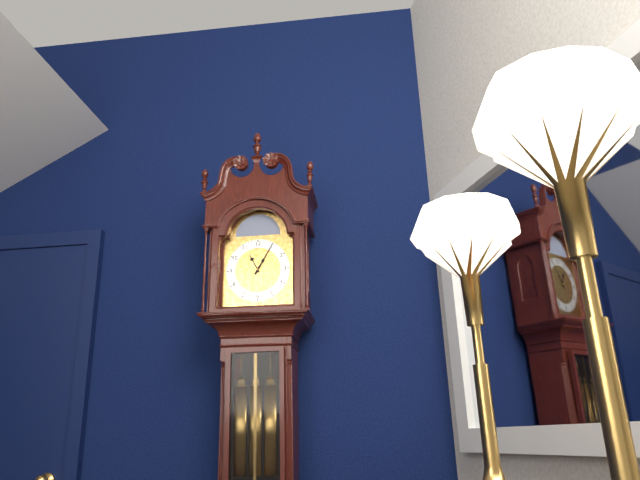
11:05
